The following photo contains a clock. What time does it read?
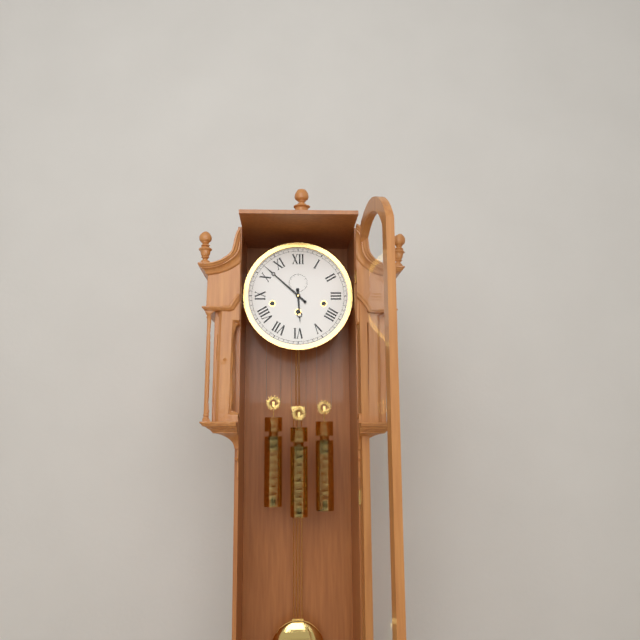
5:52
